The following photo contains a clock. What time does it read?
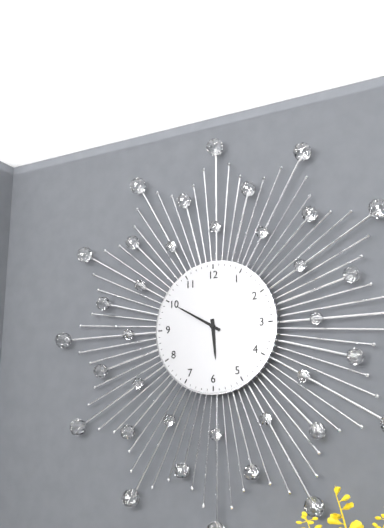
5:50
